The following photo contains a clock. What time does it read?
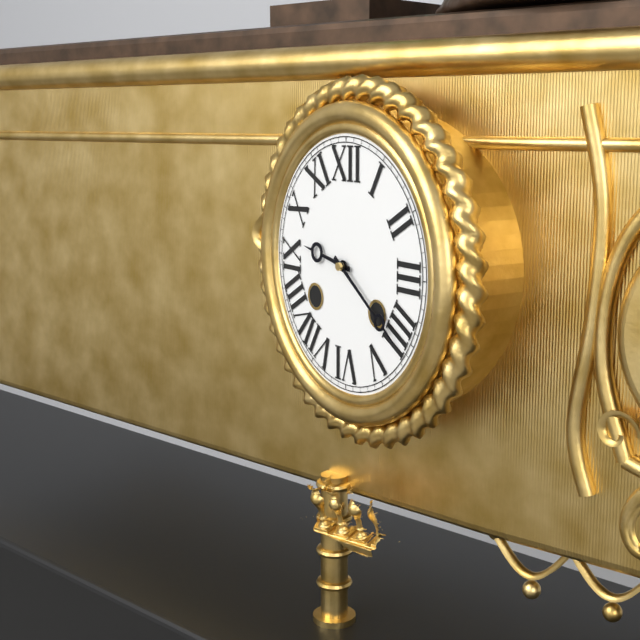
9:21
